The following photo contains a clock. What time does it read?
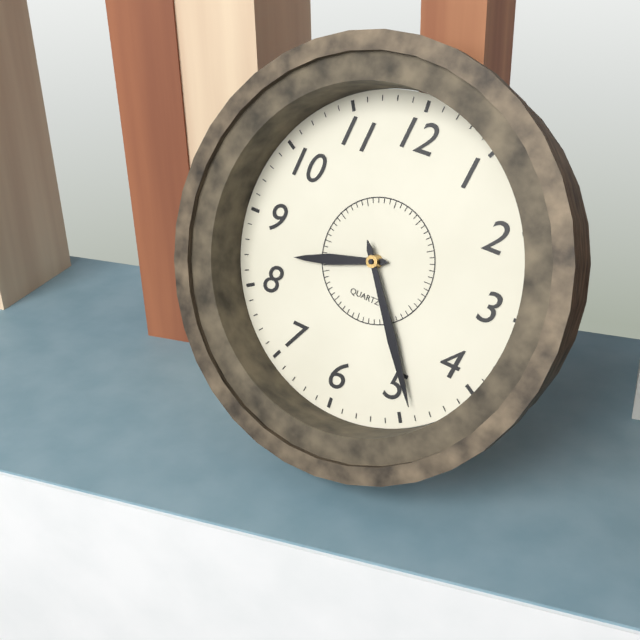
8:24
